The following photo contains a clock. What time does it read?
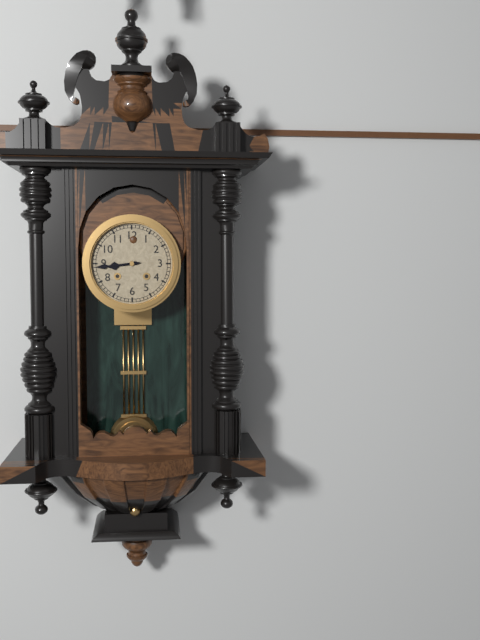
8:44
